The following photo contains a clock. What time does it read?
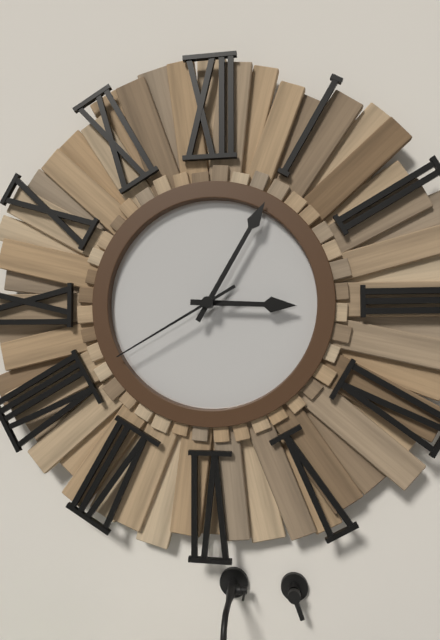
3:05:40
